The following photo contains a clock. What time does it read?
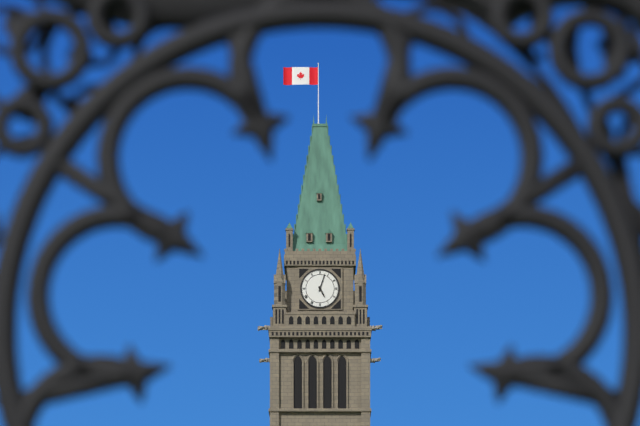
5:03
